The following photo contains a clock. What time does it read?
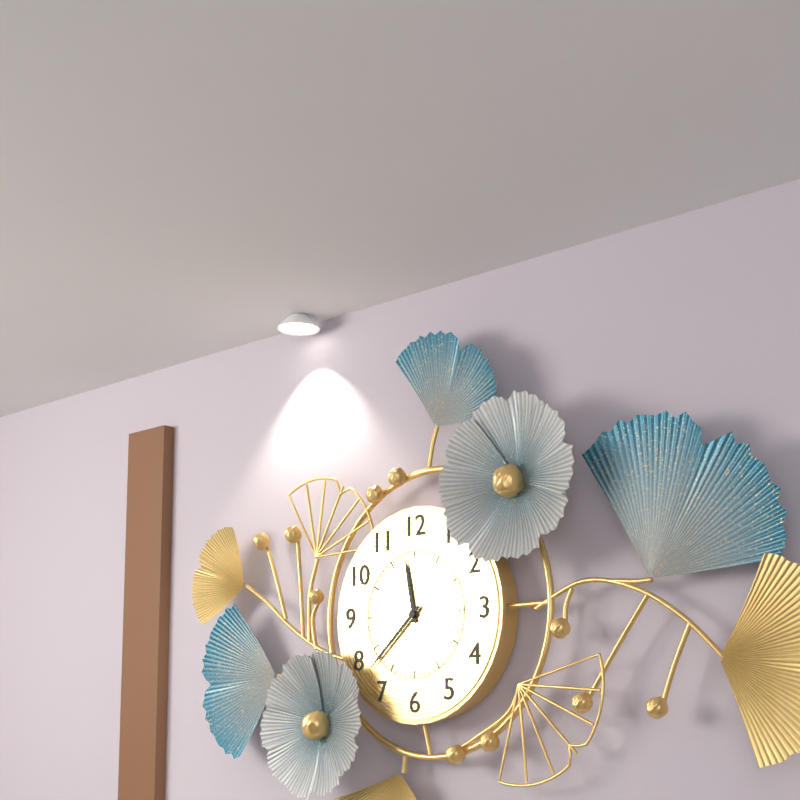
11:38
